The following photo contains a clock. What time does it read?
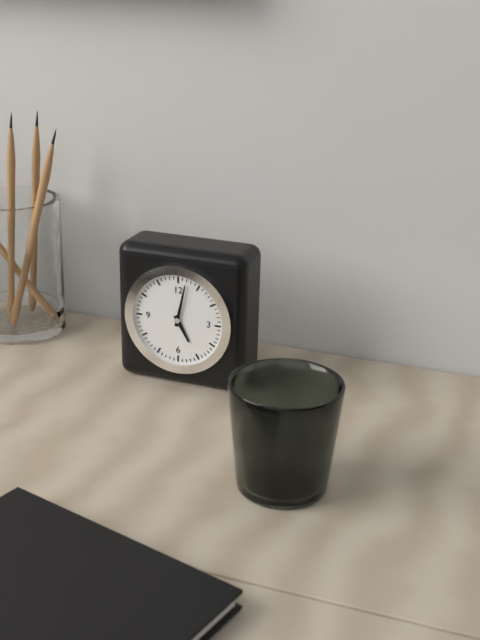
5:02
